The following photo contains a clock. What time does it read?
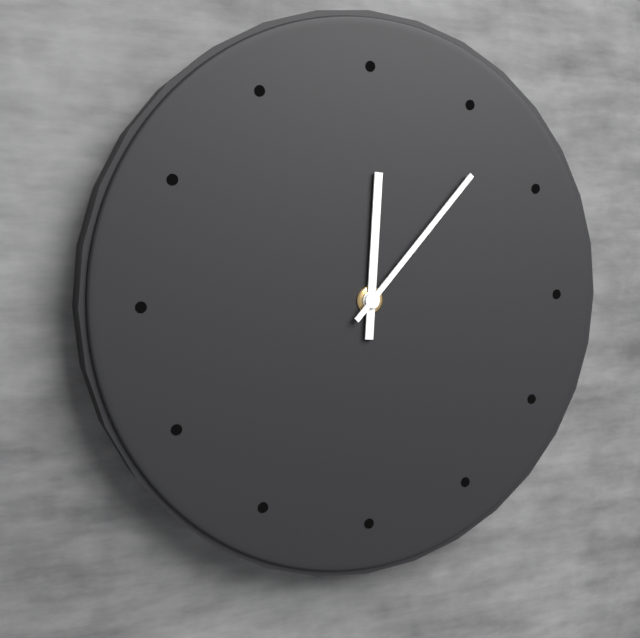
12:07
